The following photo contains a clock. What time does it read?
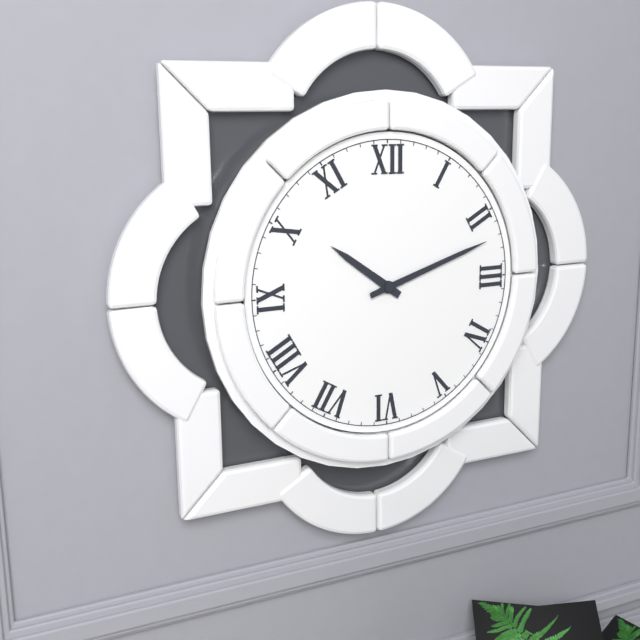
10:12
